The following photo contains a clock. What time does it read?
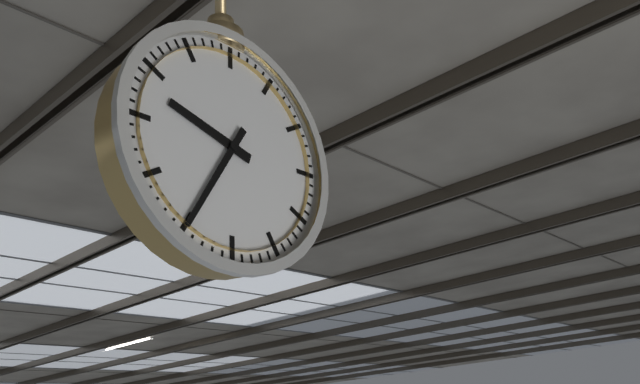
9:35
